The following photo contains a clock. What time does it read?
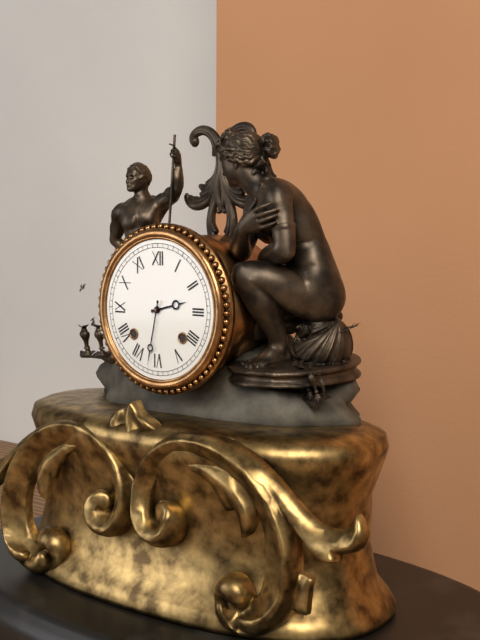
2:32
